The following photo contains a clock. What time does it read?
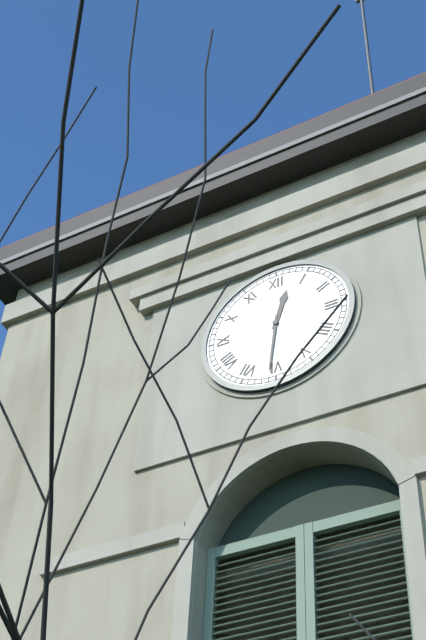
12:31
